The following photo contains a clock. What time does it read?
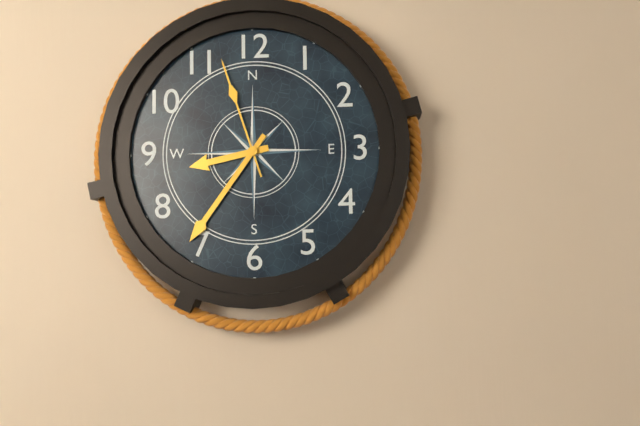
8:36:57
